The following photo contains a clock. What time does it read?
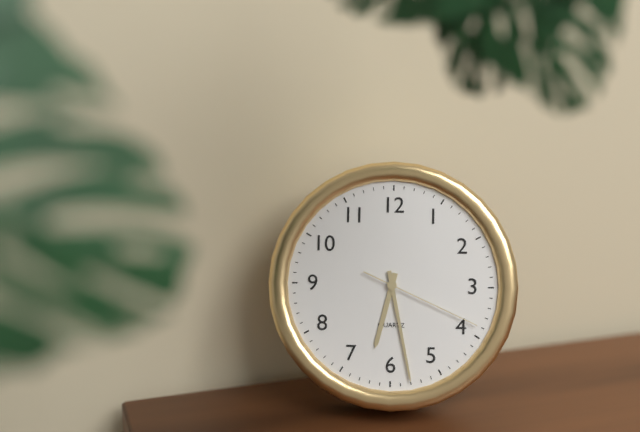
6:28:19
